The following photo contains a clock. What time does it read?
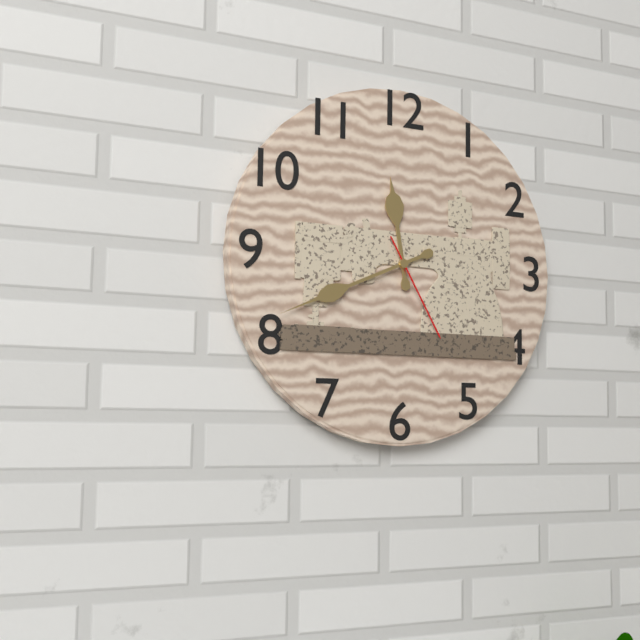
11:41:25
